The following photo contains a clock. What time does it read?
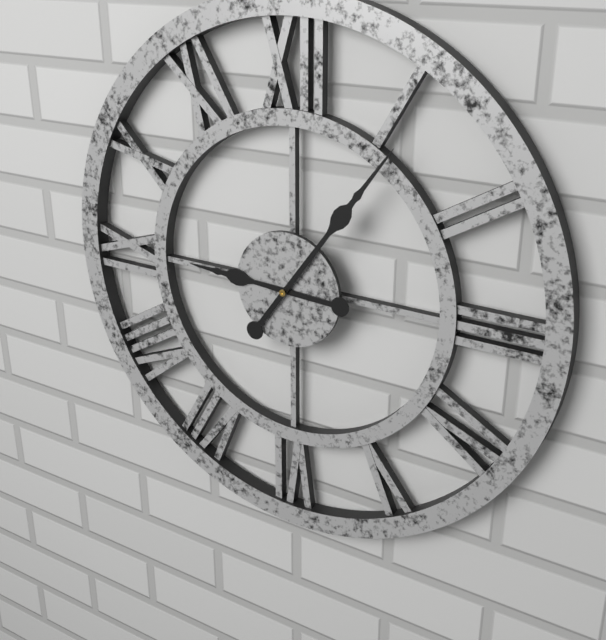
9:06
